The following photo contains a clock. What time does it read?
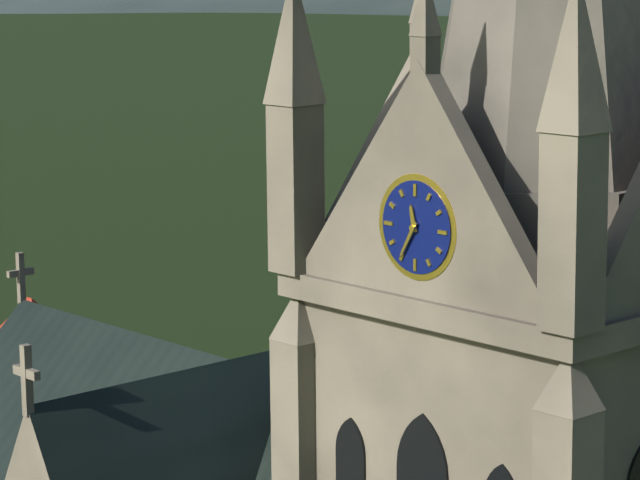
11:35
